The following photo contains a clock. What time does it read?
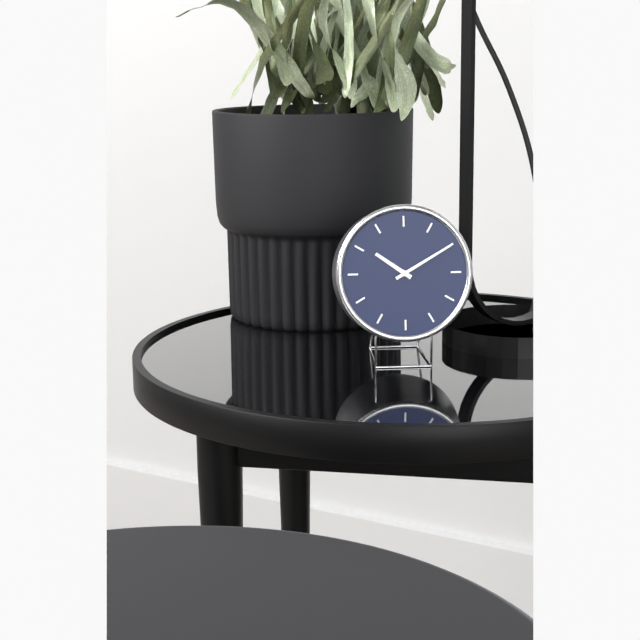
10:10
